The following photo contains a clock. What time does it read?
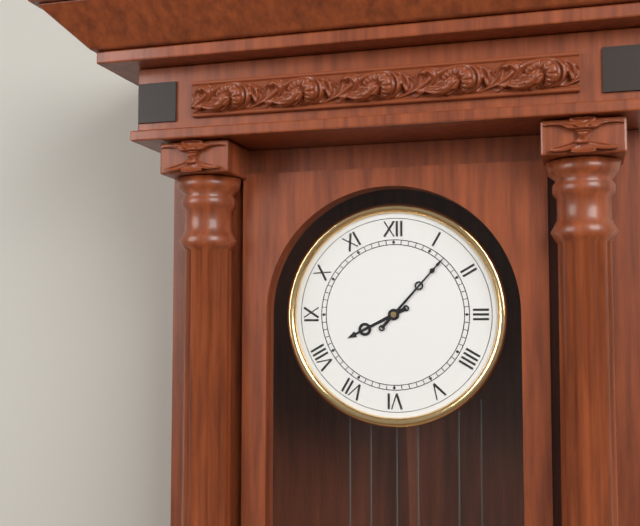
8:07
